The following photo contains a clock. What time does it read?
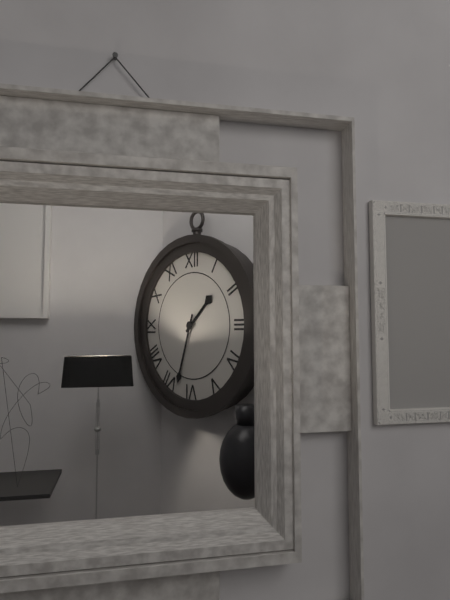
1:33
